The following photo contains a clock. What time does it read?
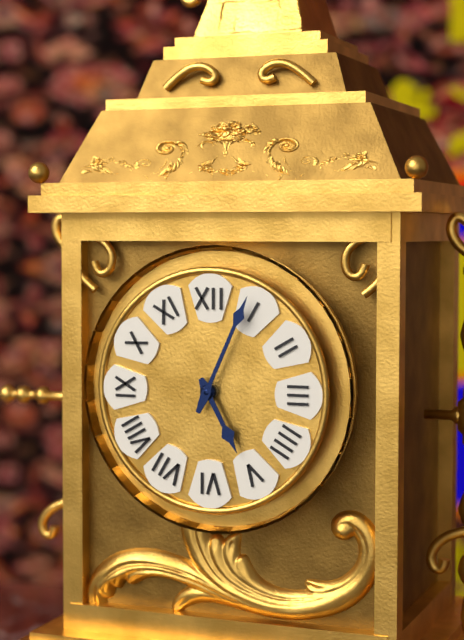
5:04
